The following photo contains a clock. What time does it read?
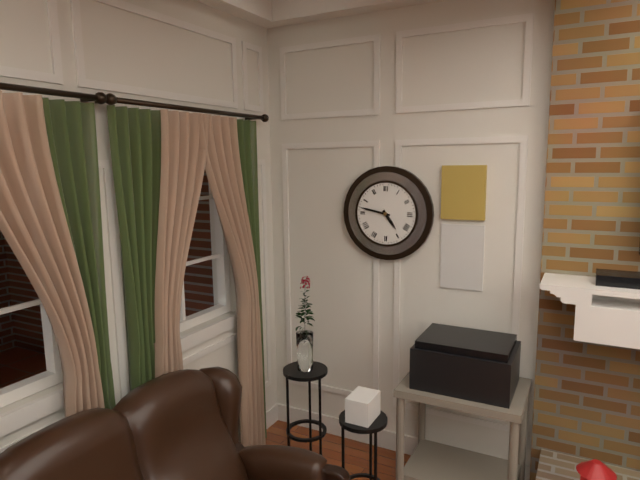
4:47
